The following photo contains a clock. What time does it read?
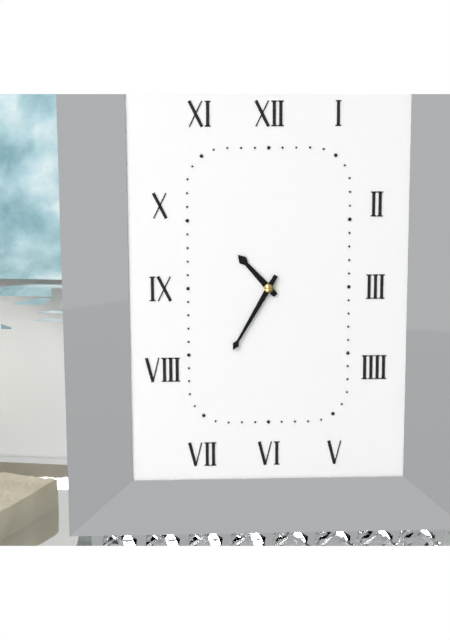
10:35
